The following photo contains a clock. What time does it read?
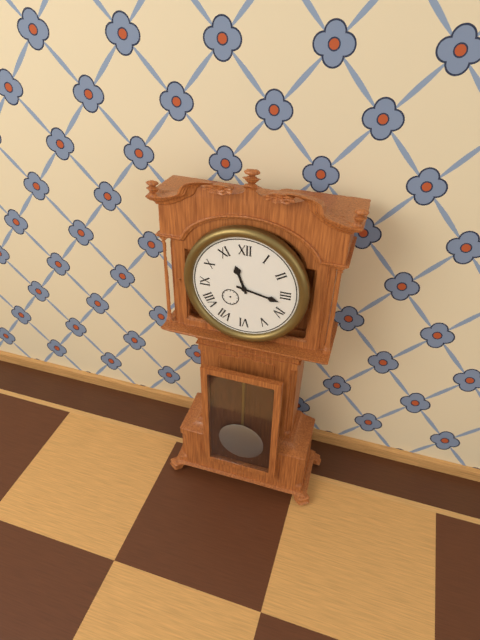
11:17
